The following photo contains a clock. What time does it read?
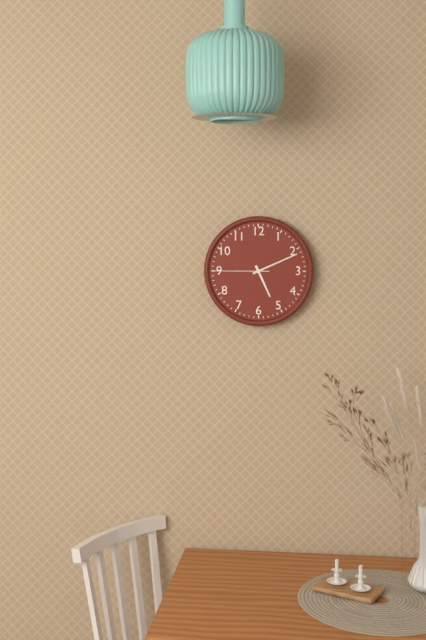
5:11:45
